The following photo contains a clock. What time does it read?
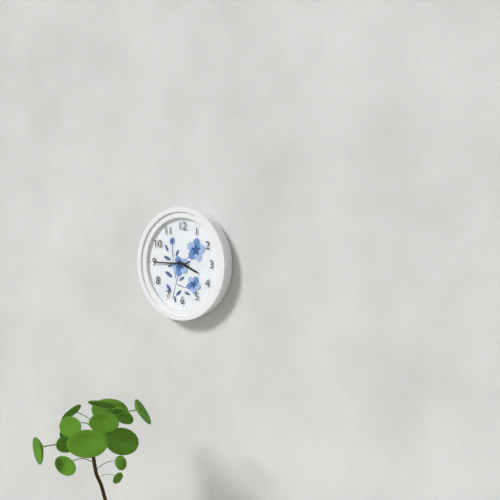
3:45
